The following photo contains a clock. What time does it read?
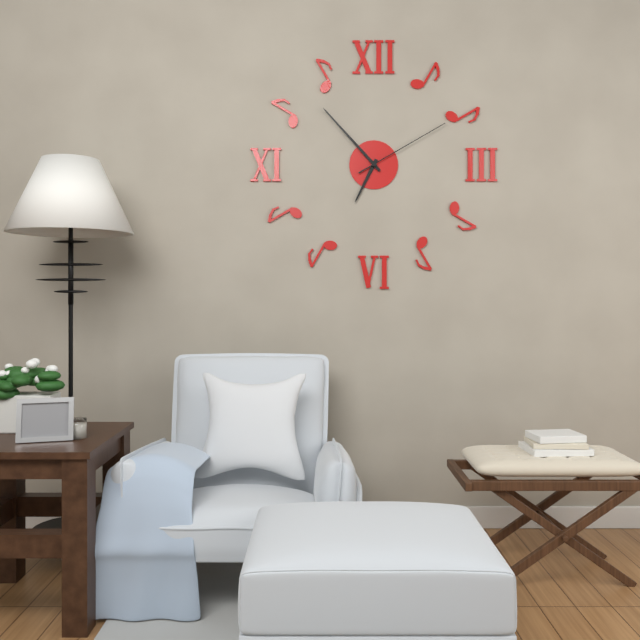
6:53:10
